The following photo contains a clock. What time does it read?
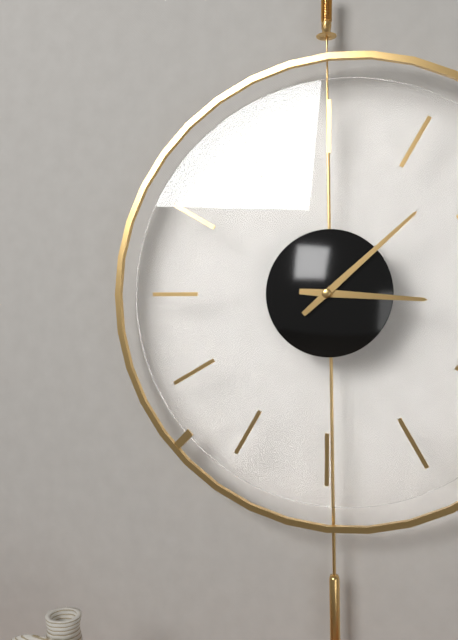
3:08
